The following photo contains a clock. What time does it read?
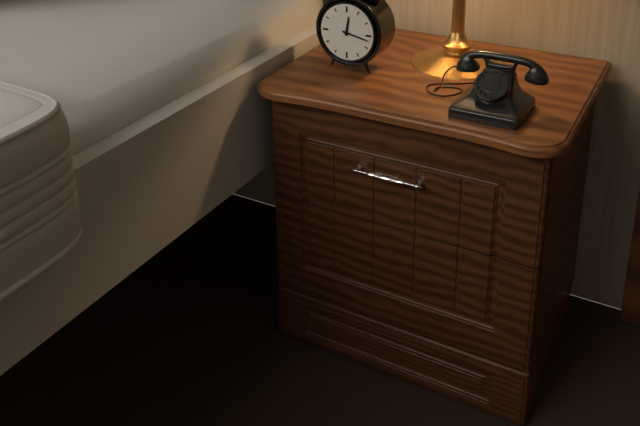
12:17
